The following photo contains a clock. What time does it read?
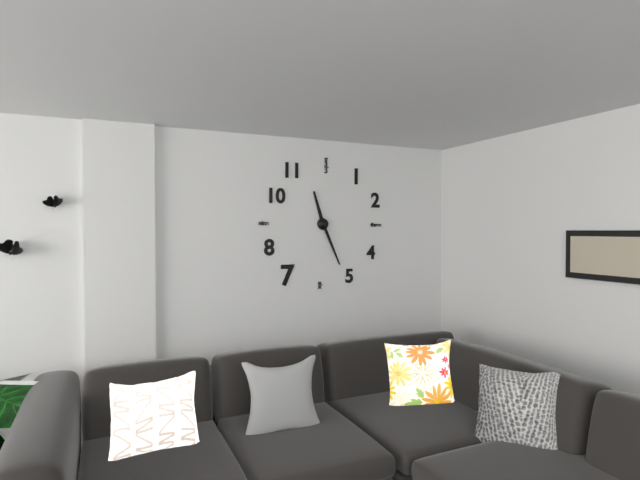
11:26
